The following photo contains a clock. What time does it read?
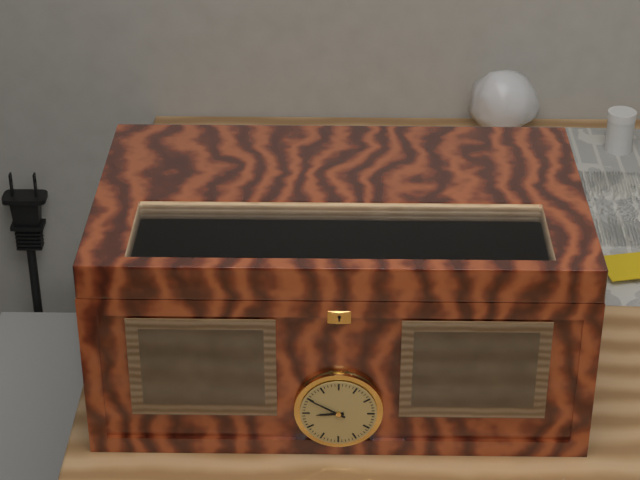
8:50
